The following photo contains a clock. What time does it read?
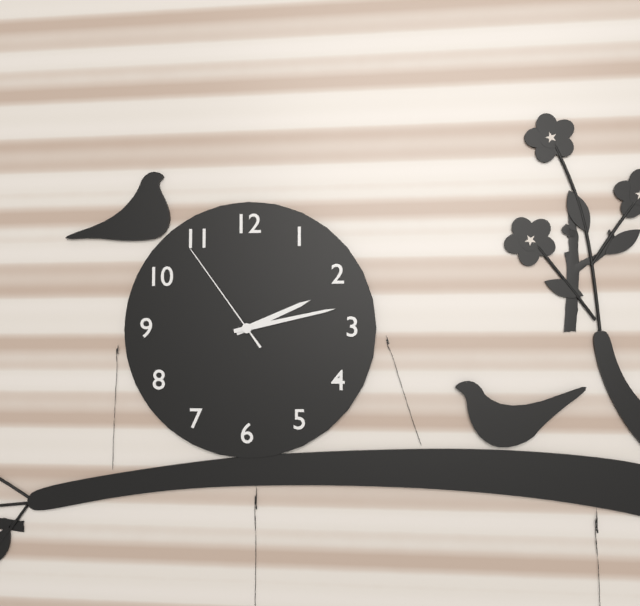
2:13:54
